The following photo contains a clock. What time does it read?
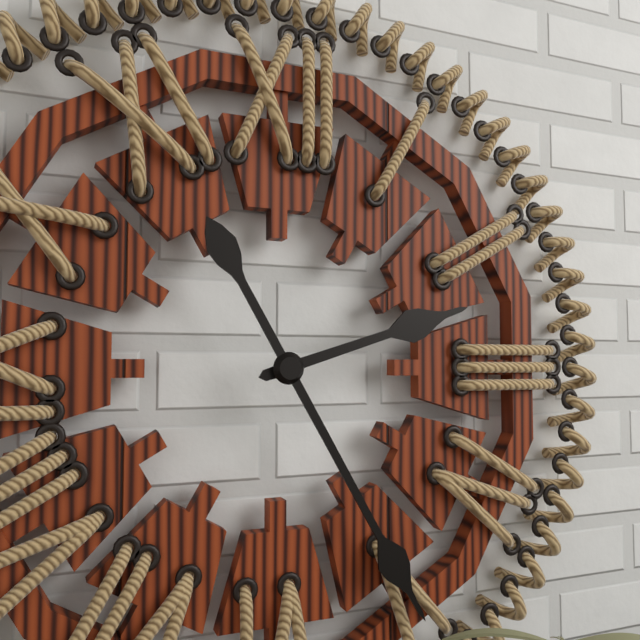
2:25
